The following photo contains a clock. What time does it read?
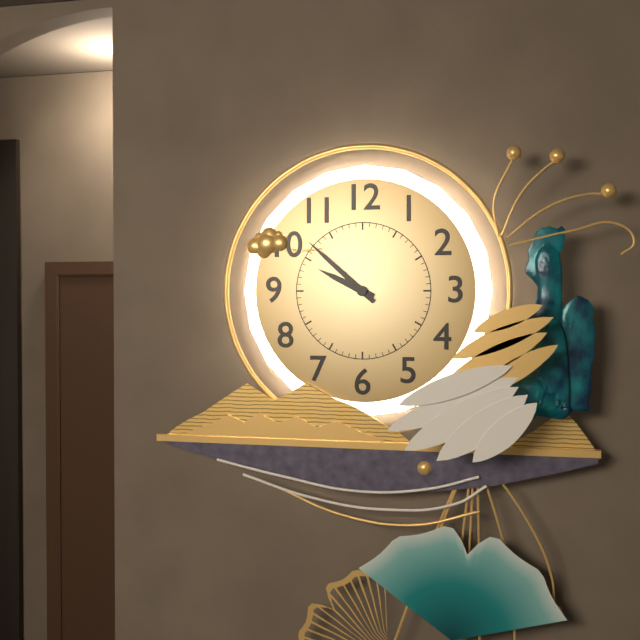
9:52
